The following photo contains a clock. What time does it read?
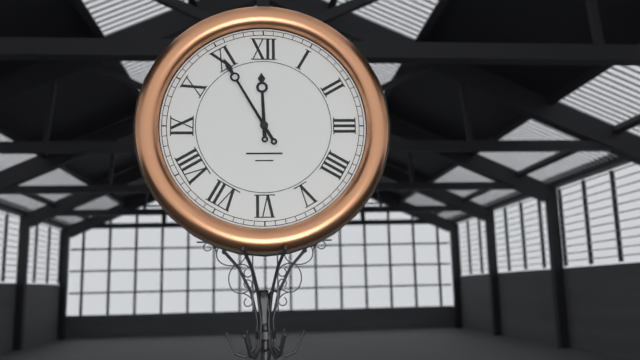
11:55
